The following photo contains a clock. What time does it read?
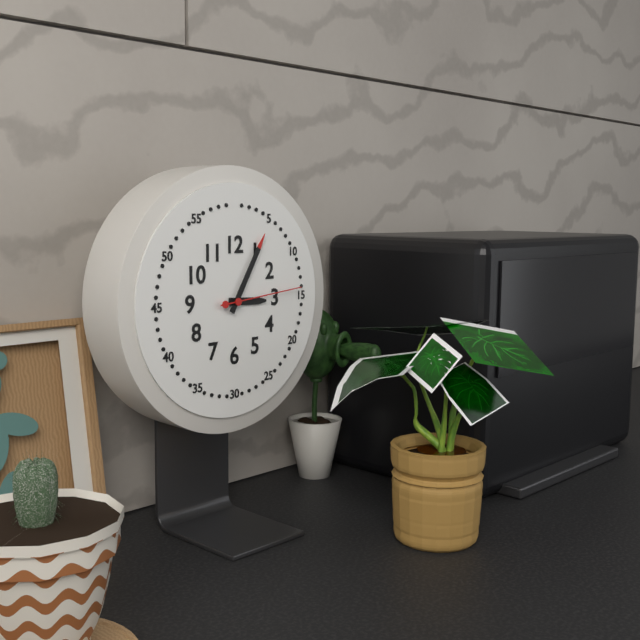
3:05:14
